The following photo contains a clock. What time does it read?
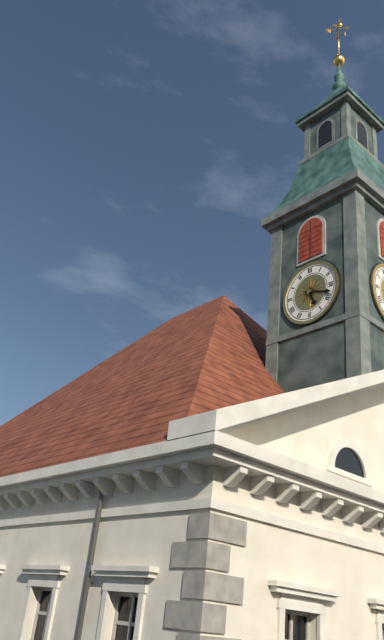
5:18
